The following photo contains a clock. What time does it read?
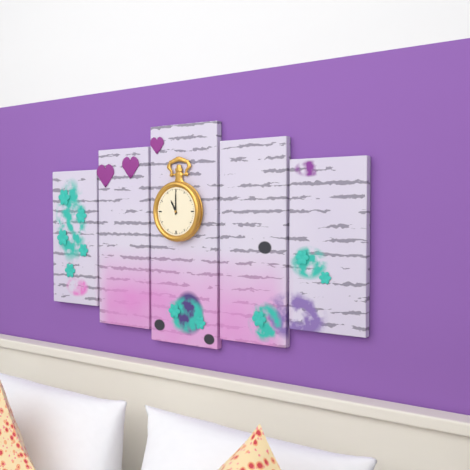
11:00
